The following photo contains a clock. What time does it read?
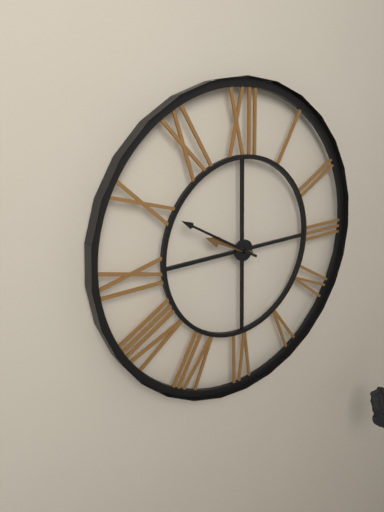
9:50
